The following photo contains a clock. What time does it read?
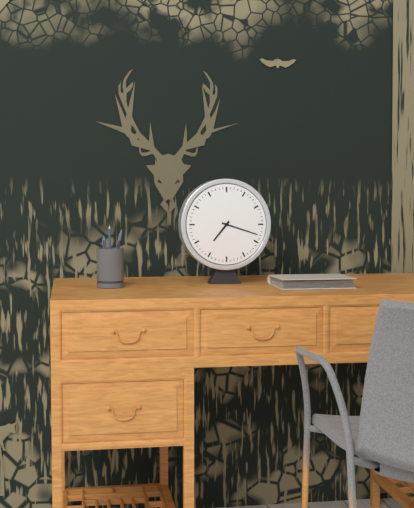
7:18
